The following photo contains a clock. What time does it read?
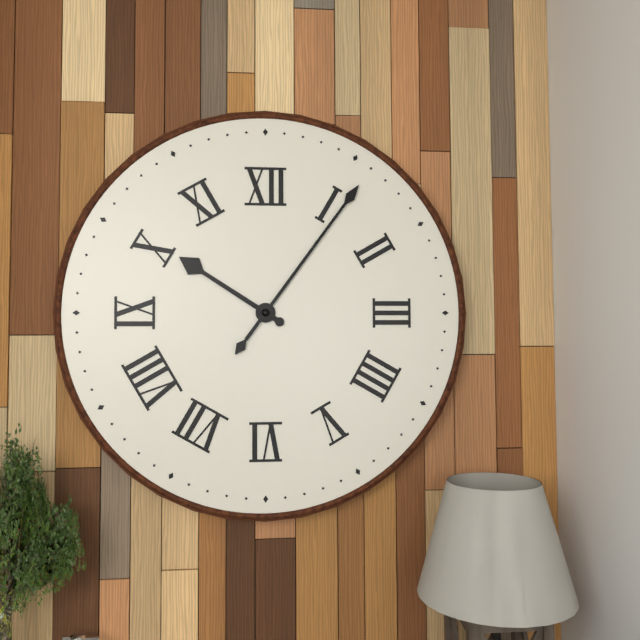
10:06
